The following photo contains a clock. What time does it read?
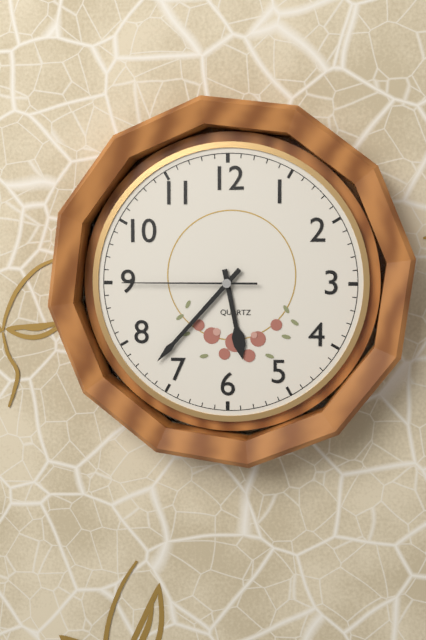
5:37:45
